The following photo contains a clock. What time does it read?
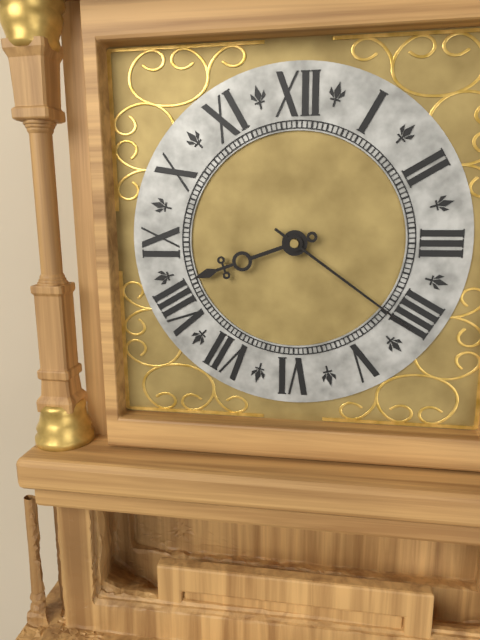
8:21
